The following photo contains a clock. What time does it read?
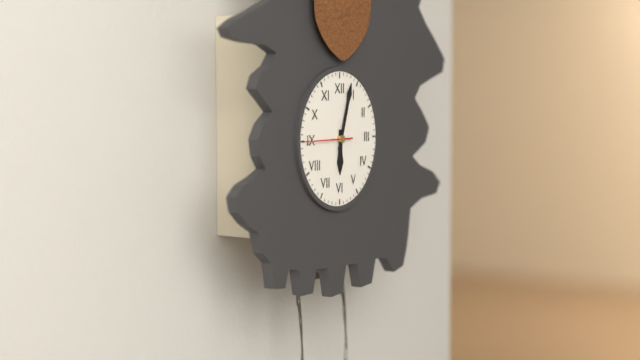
6:03
